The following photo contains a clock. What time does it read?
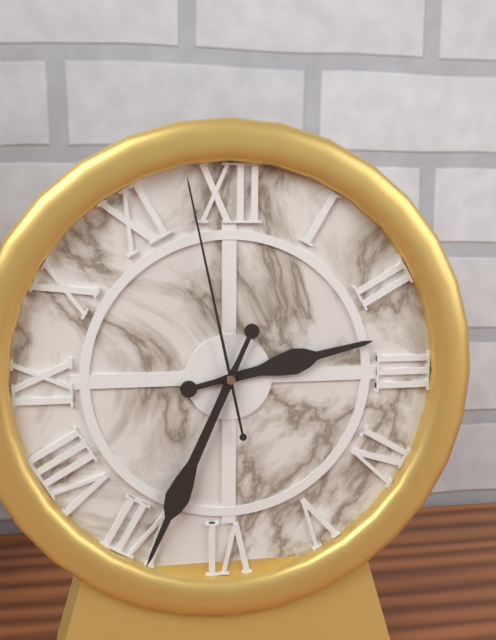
2:34:58
